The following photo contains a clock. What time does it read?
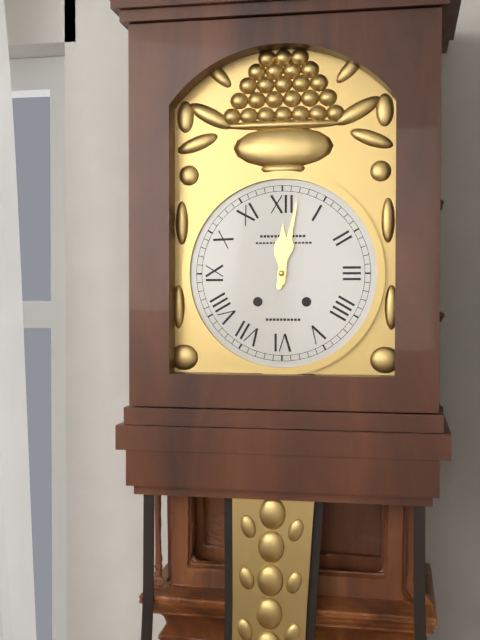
12:02
